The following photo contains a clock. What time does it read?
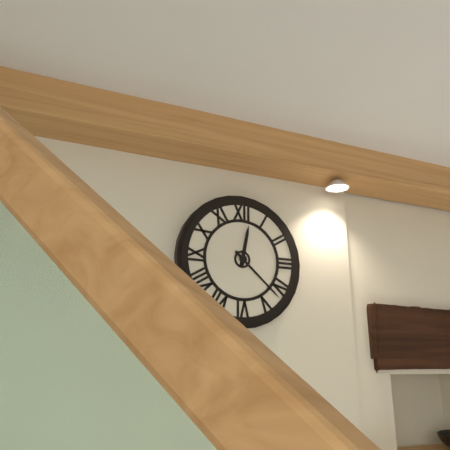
12:22
